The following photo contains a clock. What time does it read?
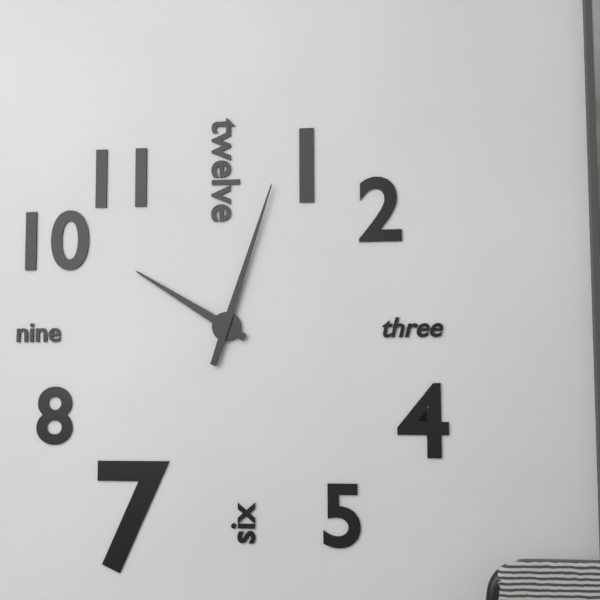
10:03
